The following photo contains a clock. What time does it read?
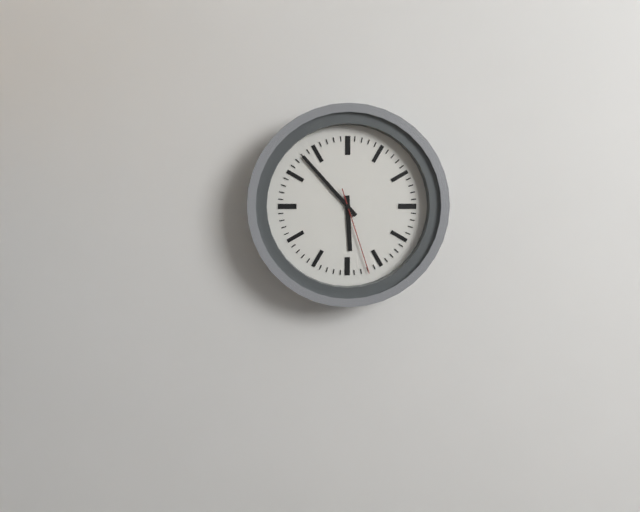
5:53:27
